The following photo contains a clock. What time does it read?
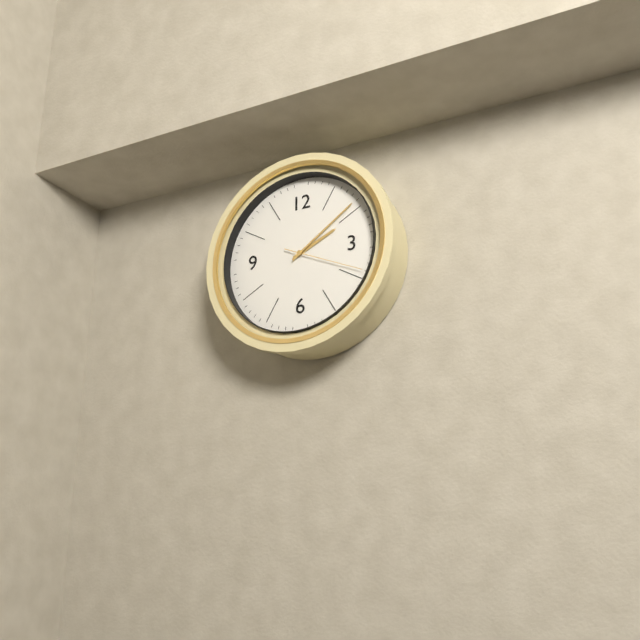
2:09:19
